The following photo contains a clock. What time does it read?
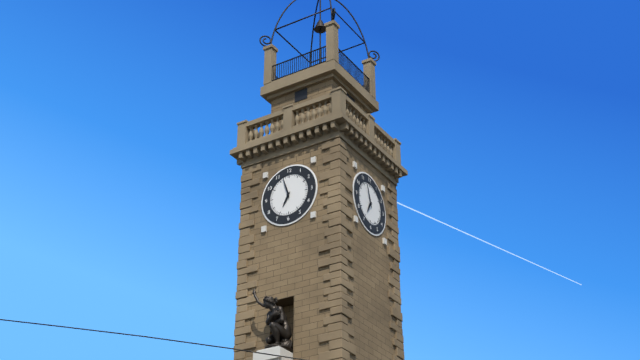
6:57
